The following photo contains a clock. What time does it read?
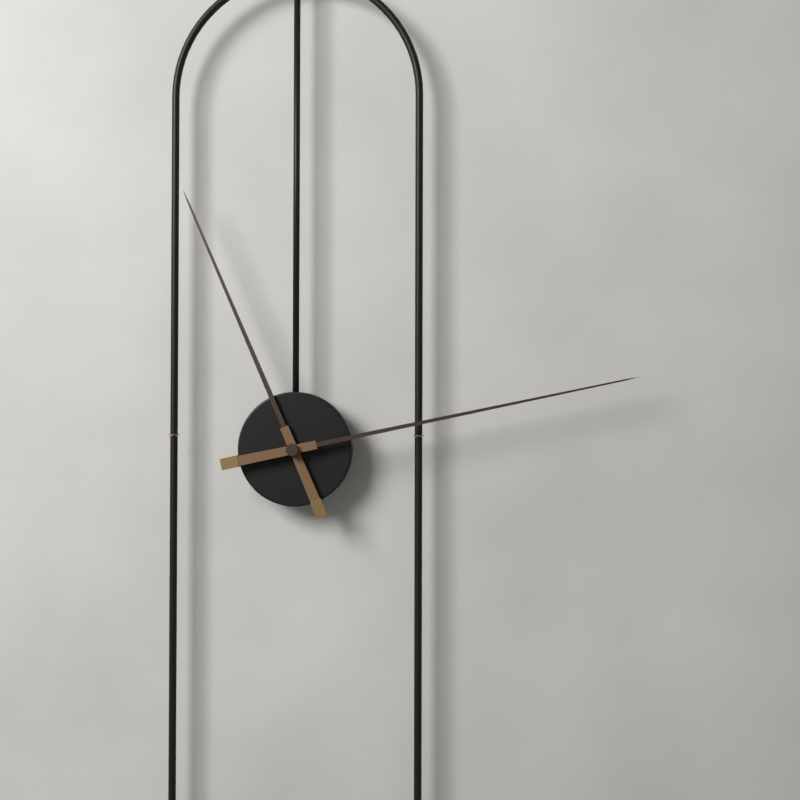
11:13
